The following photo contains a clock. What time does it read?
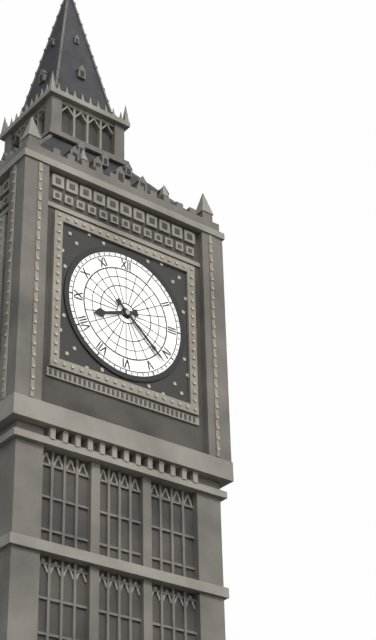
8:22
